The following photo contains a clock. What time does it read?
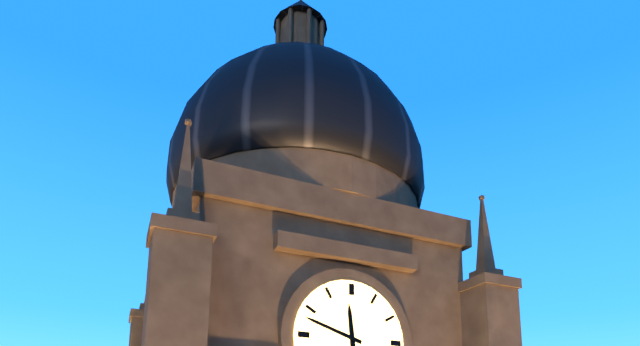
11:48
